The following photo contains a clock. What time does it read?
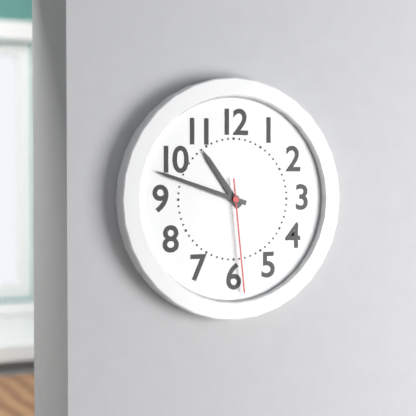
10:48:29
